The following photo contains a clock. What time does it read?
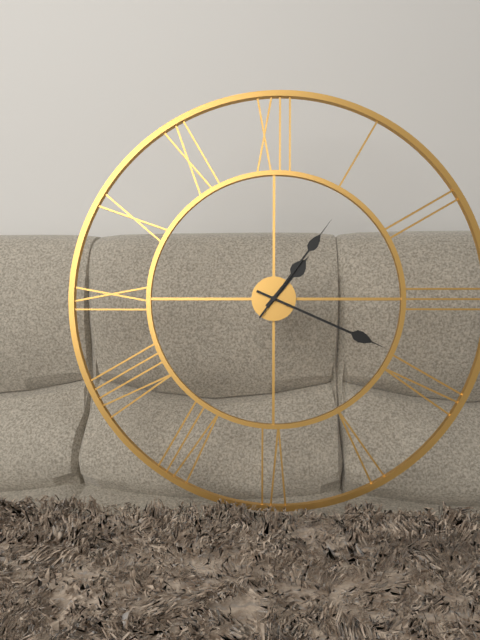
1:19:06
